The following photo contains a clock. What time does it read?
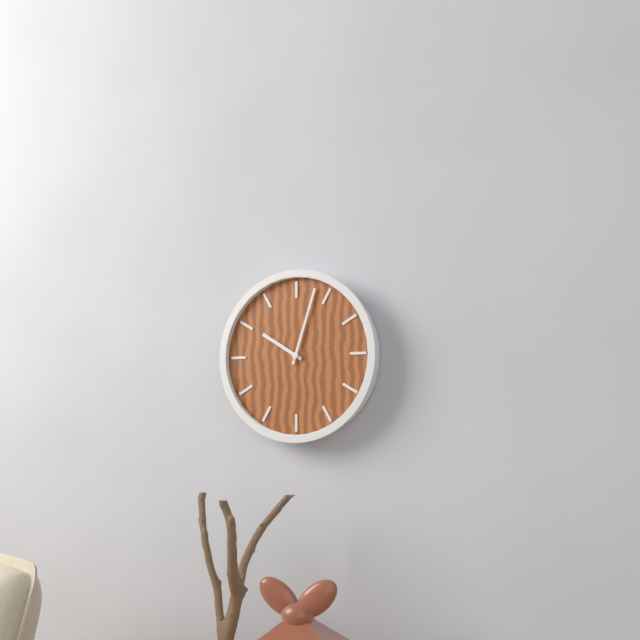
10:03
